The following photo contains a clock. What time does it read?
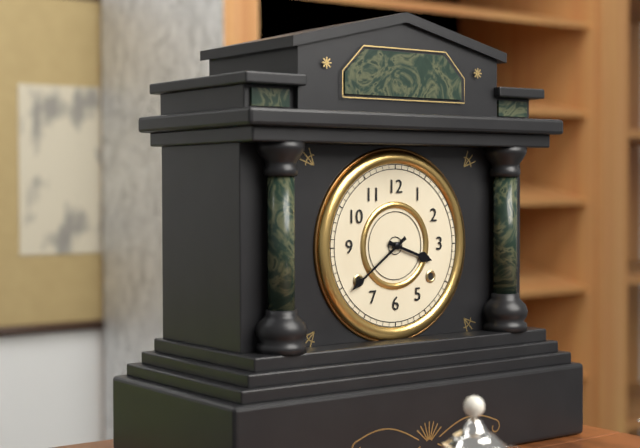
3:39
